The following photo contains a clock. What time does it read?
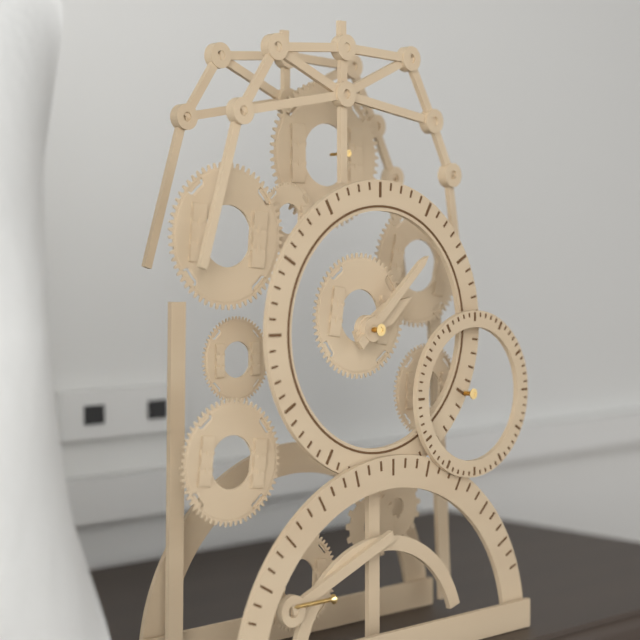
2:08
